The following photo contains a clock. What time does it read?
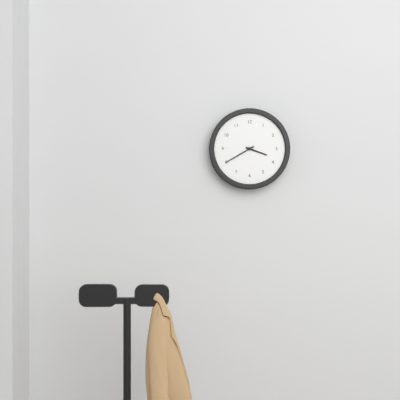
3:40
